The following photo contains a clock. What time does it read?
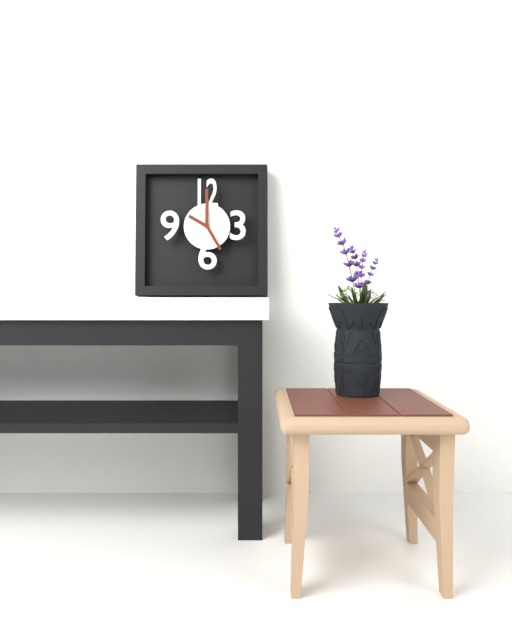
10:00
